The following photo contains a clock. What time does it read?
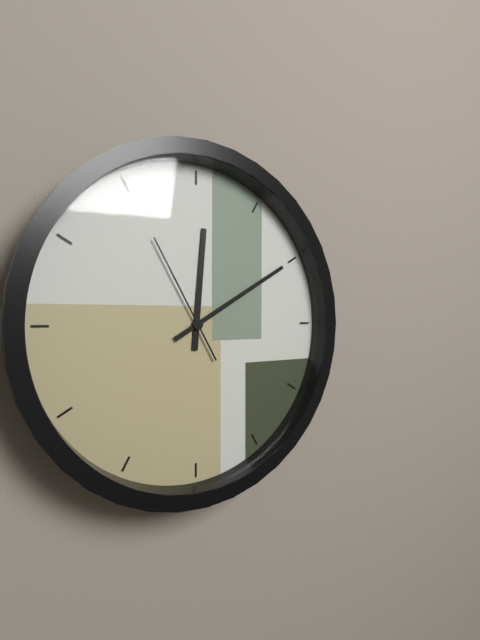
12:10:55
